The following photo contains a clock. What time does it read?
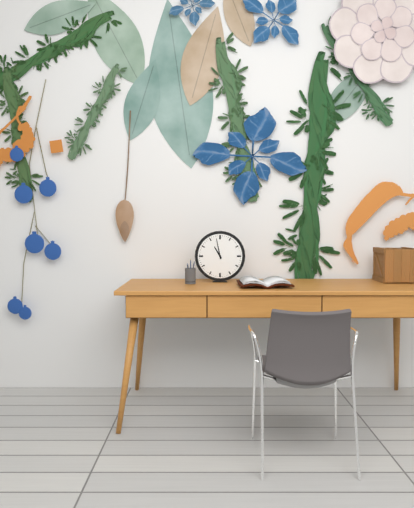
10:58
